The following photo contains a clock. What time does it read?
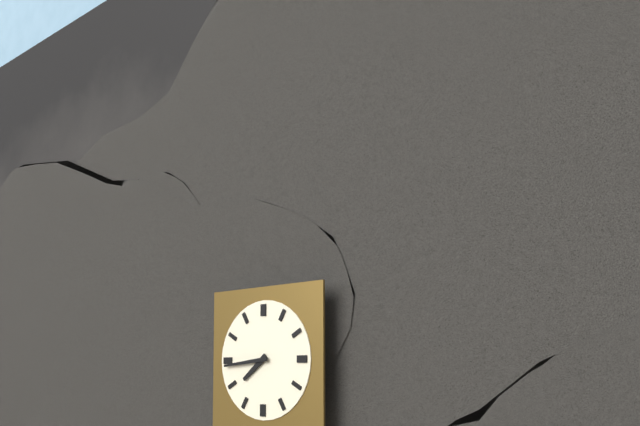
7:44
